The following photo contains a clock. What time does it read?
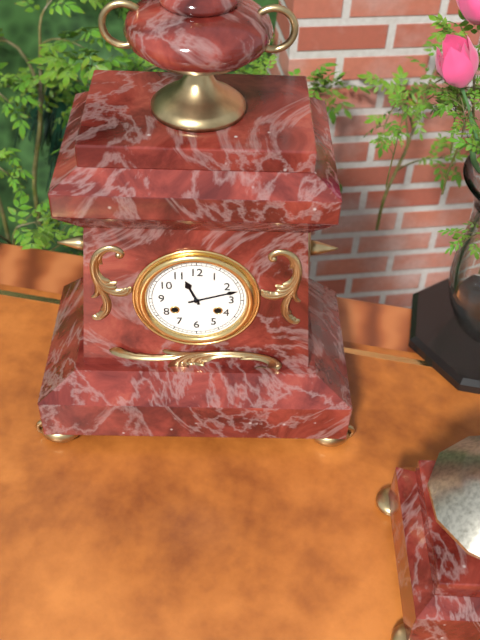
11:12
